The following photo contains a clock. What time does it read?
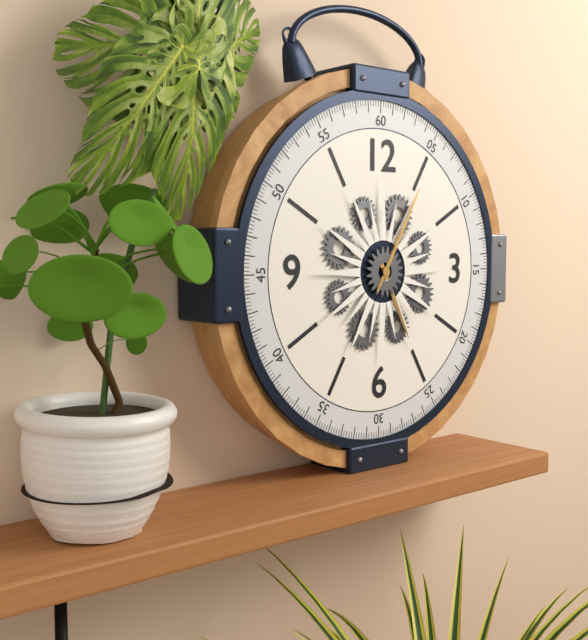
5:05
